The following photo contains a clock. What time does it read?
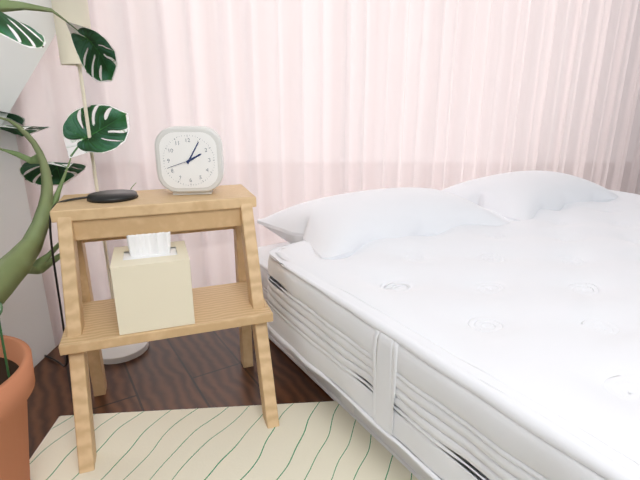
2:05
